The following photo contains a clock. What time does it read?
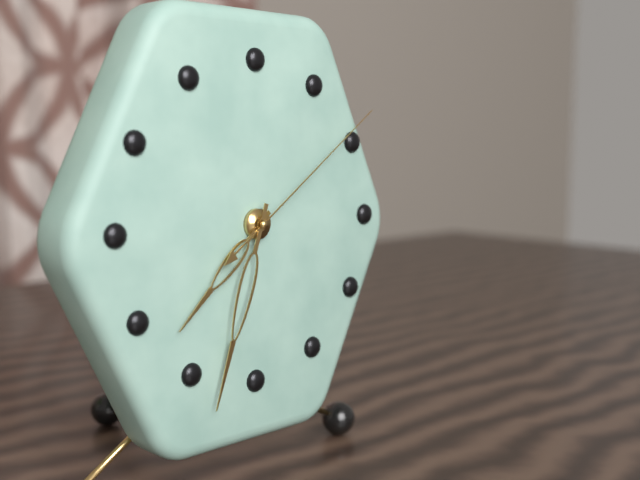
7:33:09
